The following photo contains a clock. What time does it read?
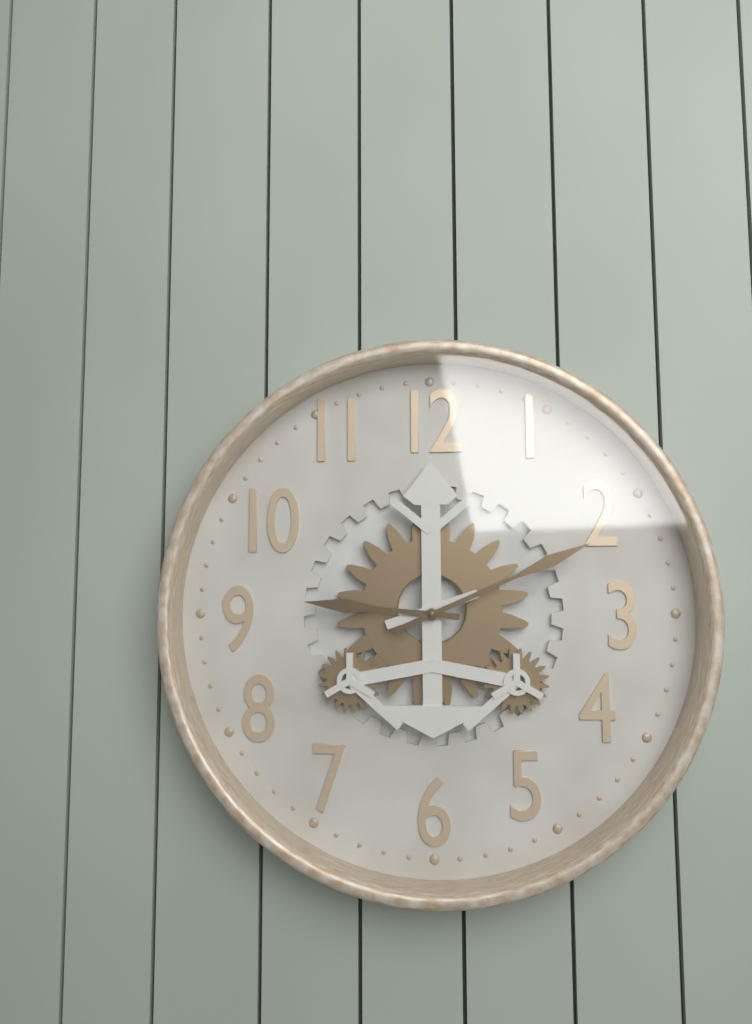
9:11
